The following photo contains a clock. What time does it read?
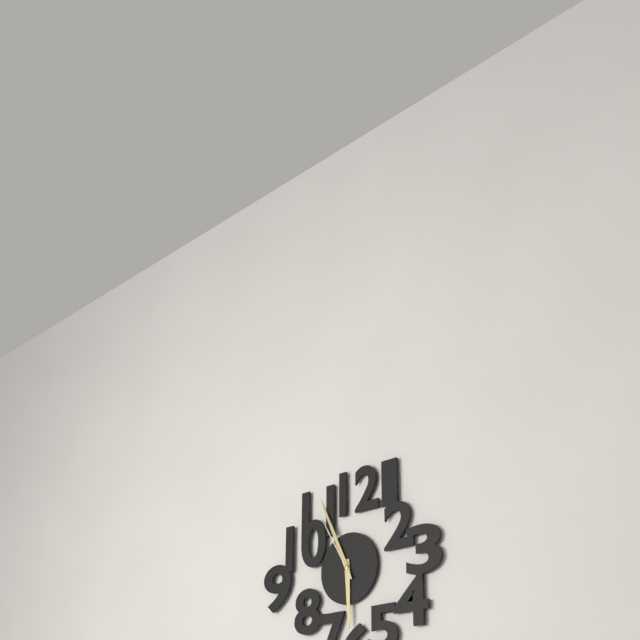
5:56:55
